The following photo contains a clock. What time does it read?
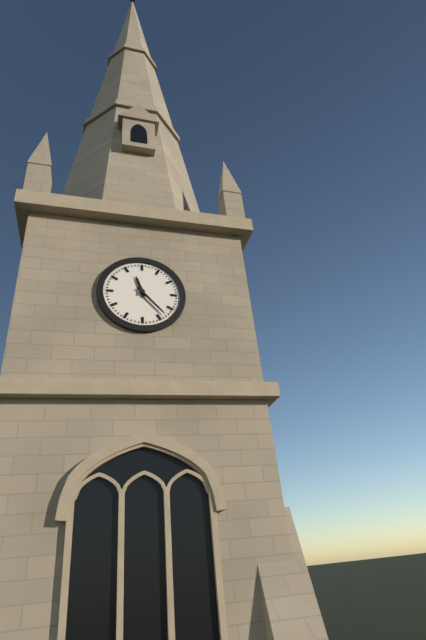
11:23
